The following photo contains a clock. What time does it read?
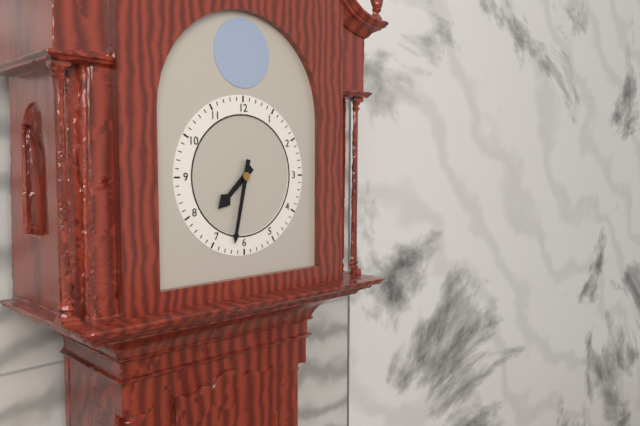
7:32
